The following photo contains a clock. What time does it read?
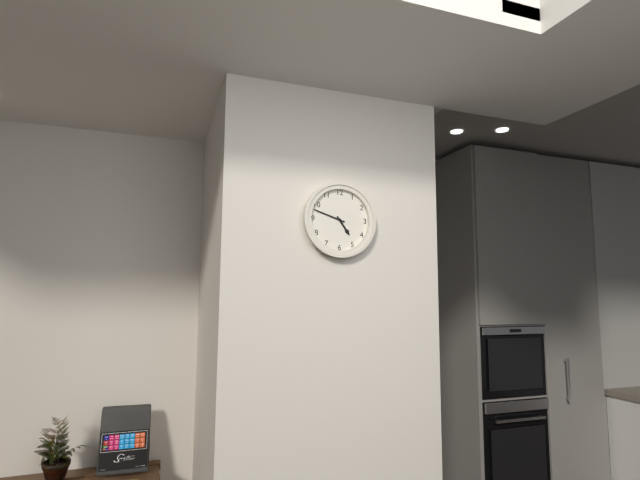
4:48
